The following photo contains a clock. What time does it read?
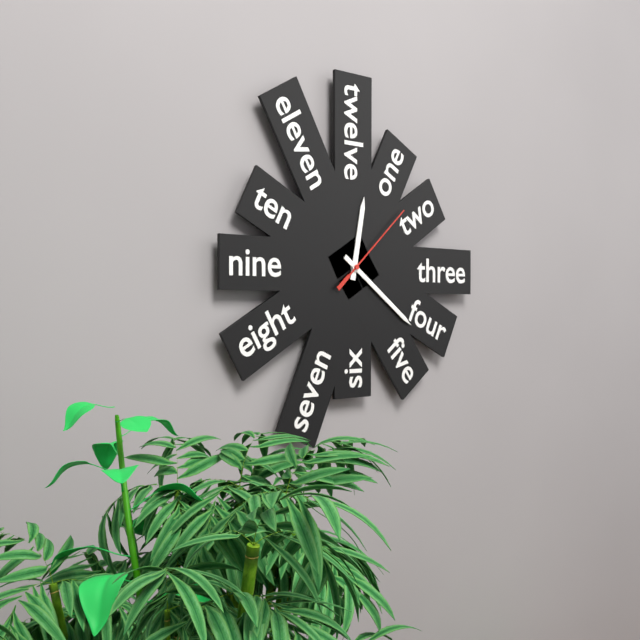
12:21:08
